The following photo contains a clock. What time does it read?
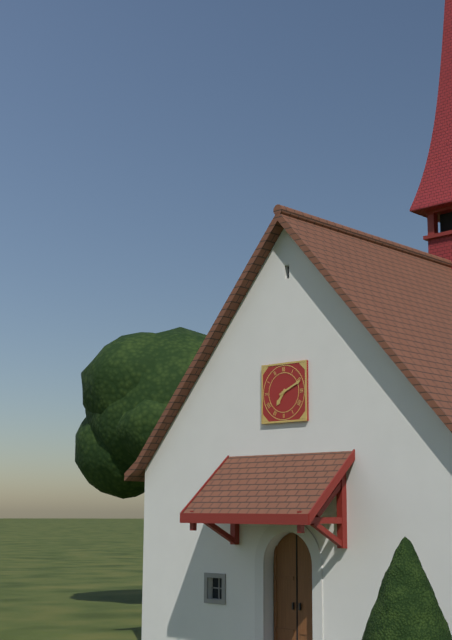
7:11
